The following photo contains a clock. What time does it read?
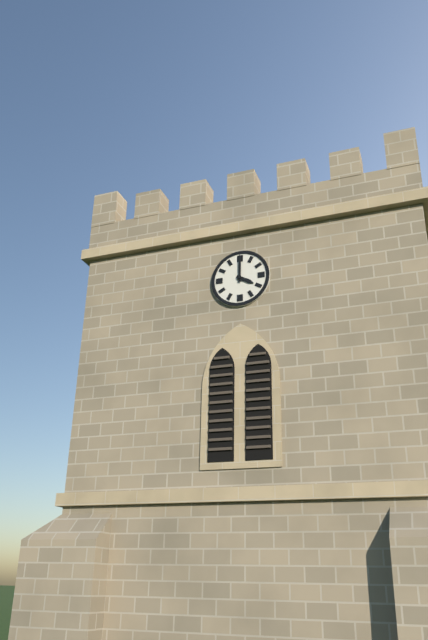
4:00
